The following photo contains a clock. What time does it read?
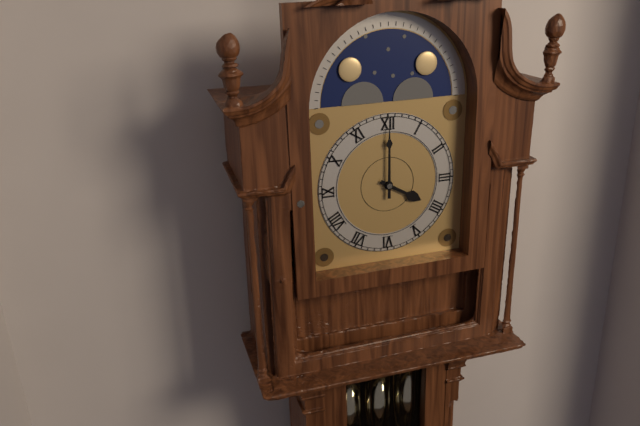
4:00
